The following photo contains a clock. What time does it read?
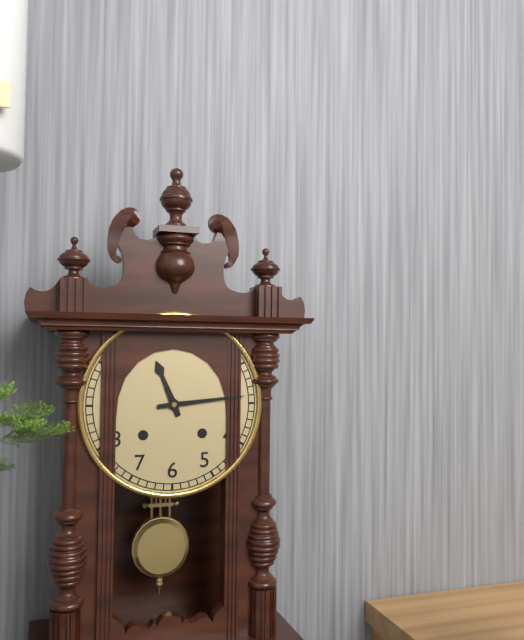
11:14
